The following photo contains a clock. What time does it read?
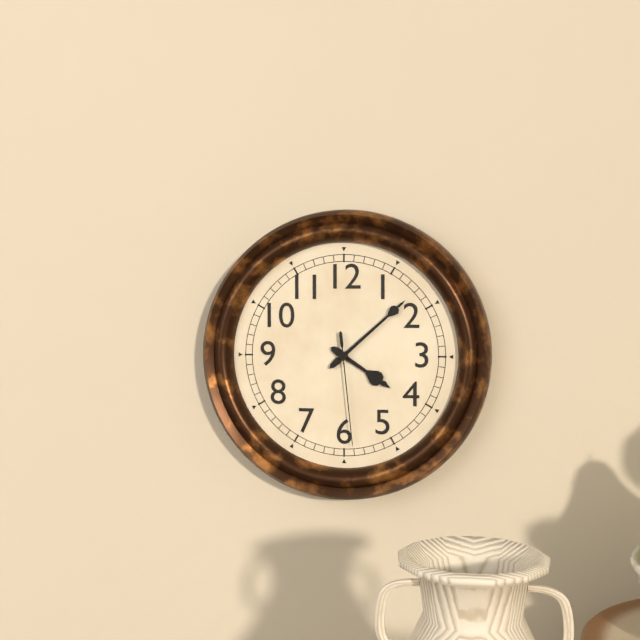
4:08:29
